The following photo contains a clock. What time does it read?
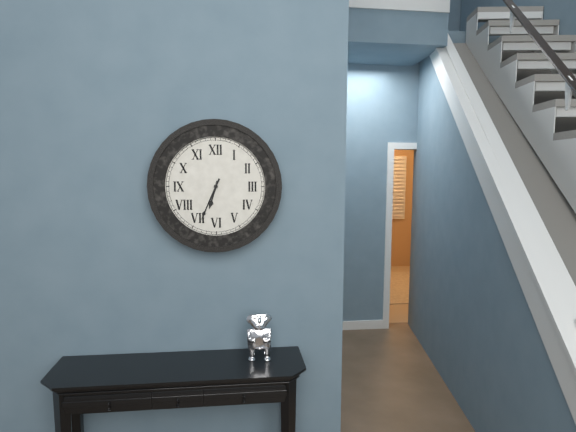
6:34
